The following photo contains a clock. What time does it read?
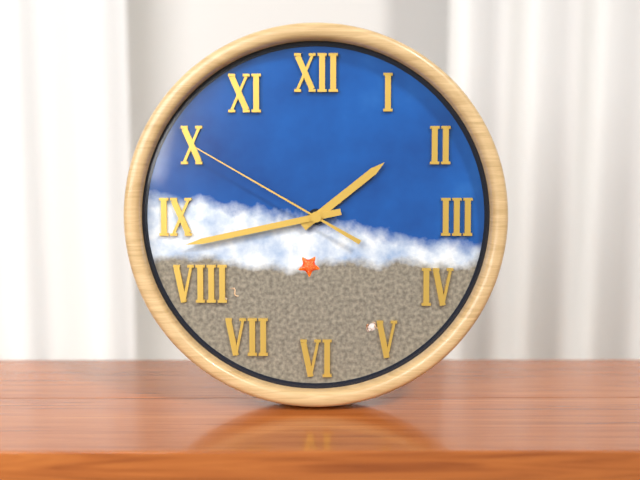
1:43:50
